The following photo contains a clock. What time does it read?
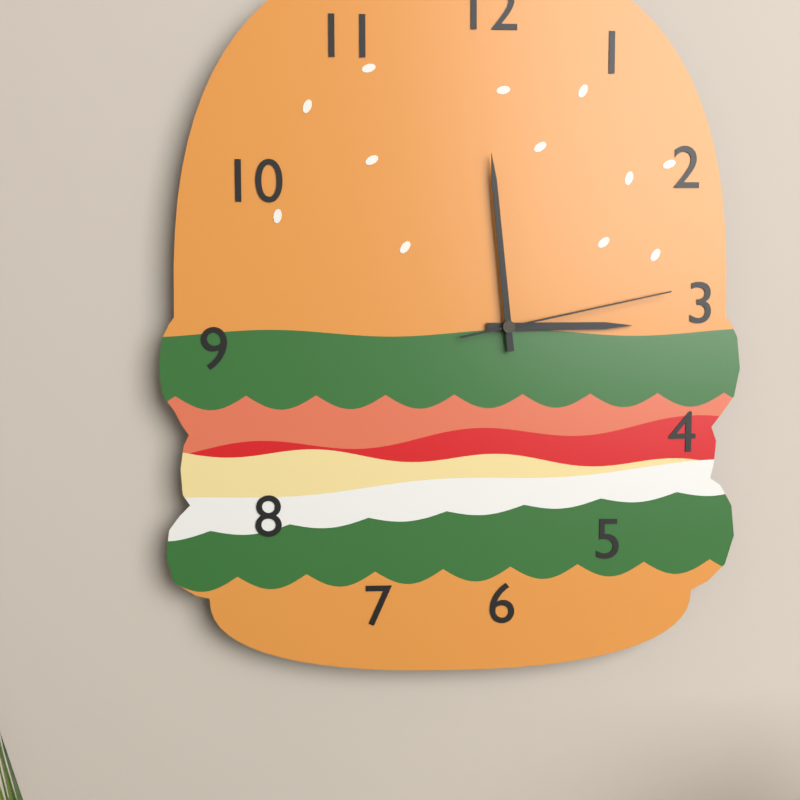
2:59:13
